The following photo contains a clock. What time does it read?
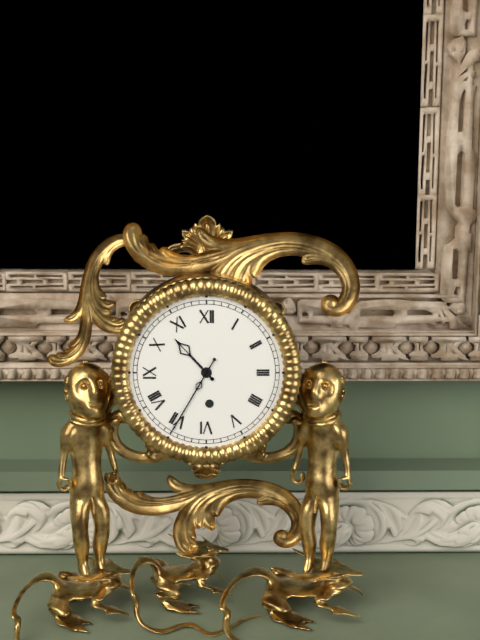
10:35
